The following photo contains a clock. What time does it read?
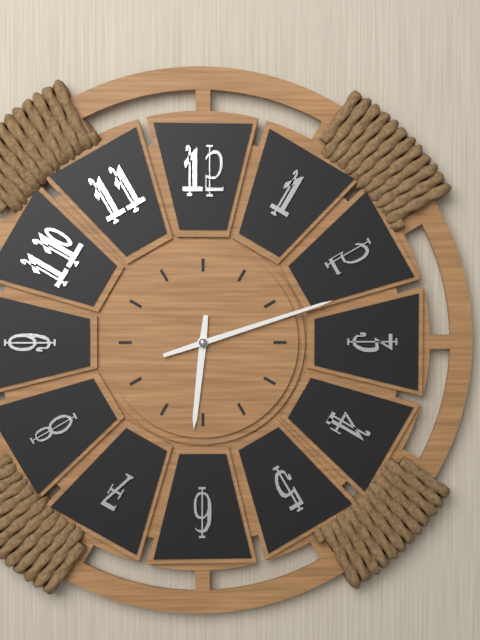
6:12
